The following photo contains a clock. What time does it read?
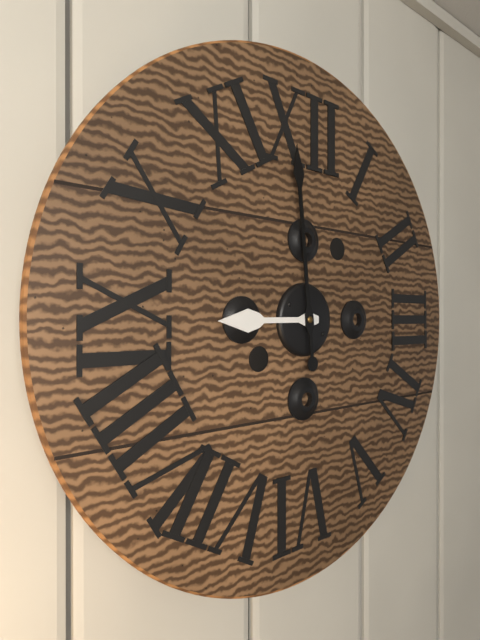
8:59
